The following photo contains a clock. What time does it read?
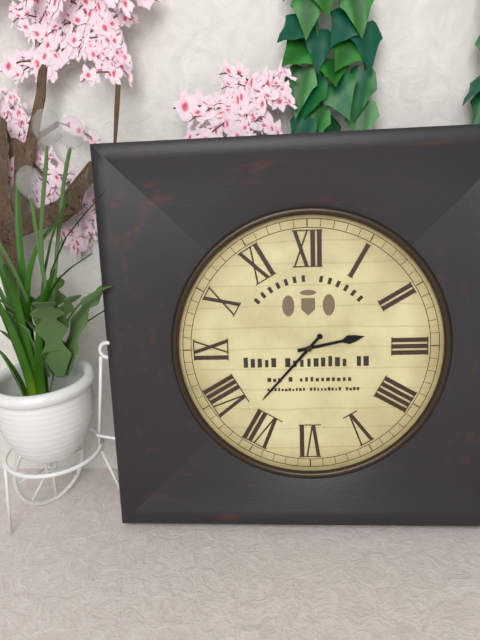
2:37
